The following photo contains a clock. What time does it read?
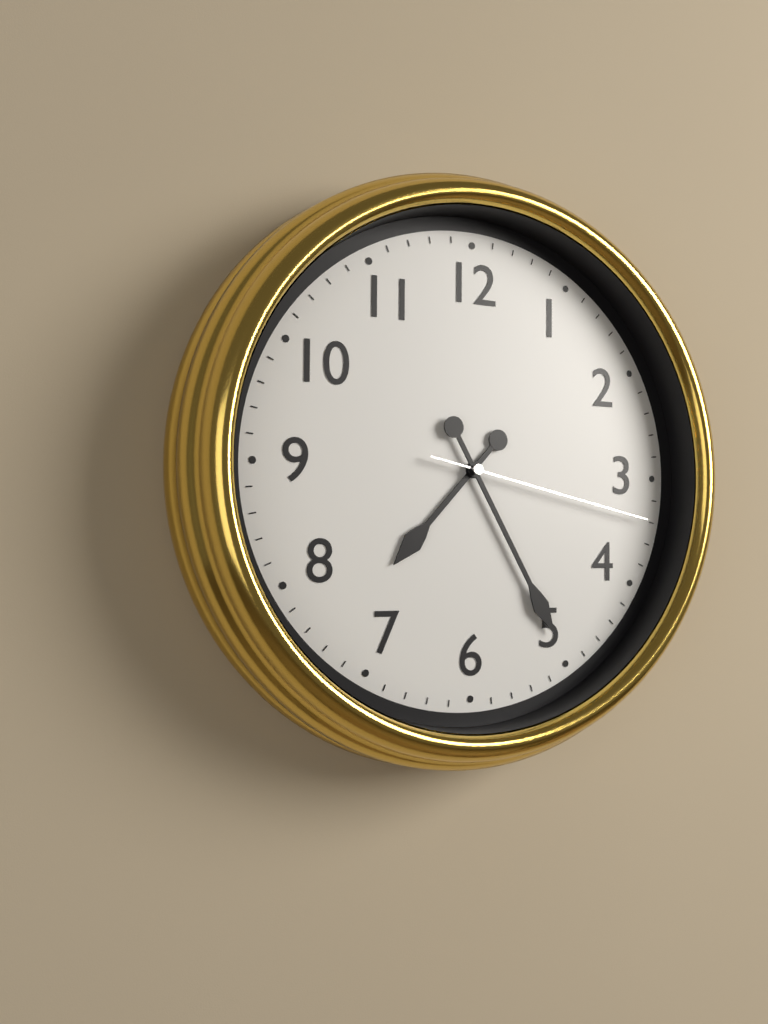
7:25:17
